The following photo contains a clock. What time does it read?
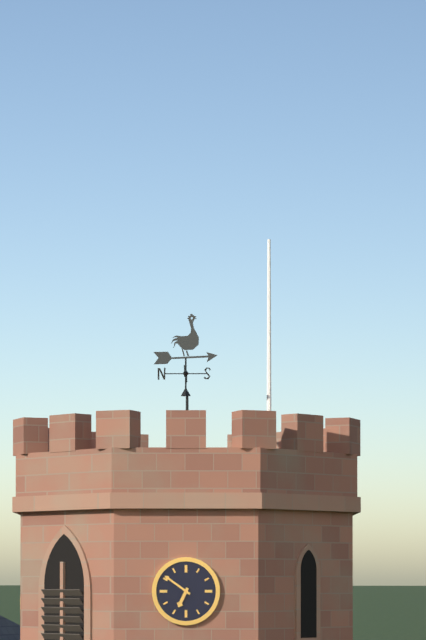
6:51
